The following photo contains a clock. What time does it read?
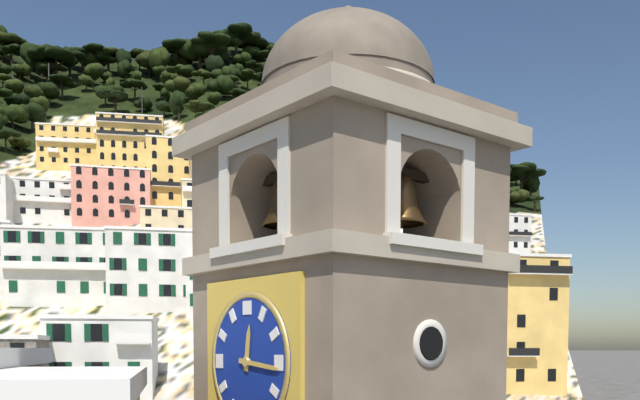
12:16
